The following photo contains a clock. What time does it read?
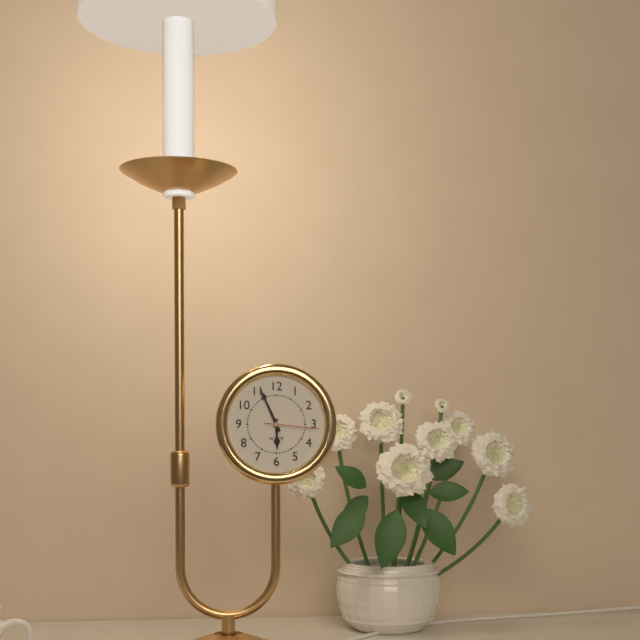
5:56:16
